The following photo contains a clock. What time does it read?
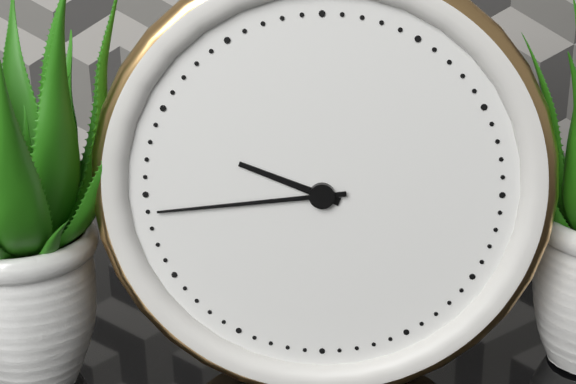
9:44
